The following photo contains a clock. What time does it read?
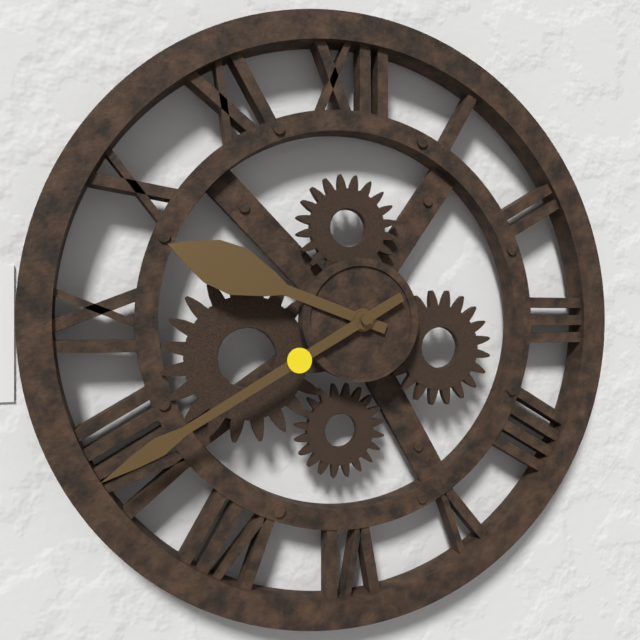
9:40
